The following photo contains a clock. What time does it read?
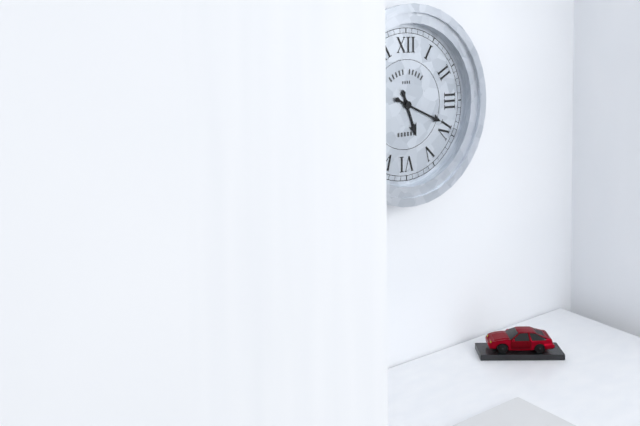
5:19
